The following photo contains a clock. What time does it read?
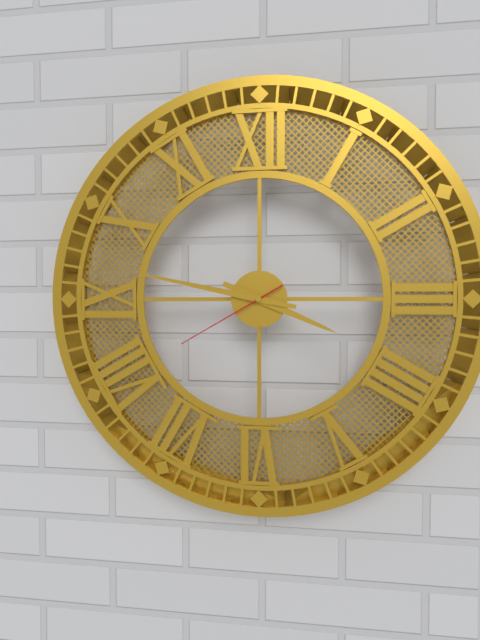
3:47:40
